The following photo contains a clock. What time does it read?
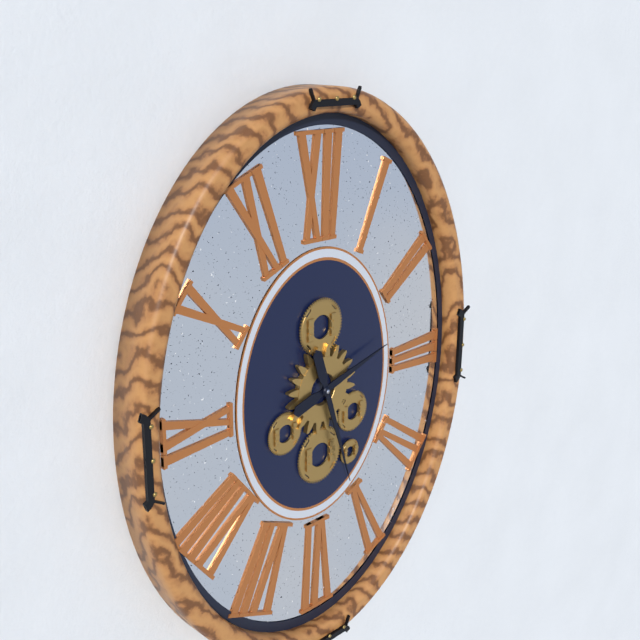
2:27
